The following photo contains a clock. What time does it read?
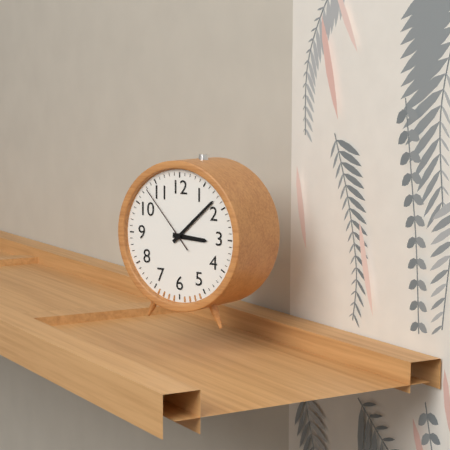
3:08:53
